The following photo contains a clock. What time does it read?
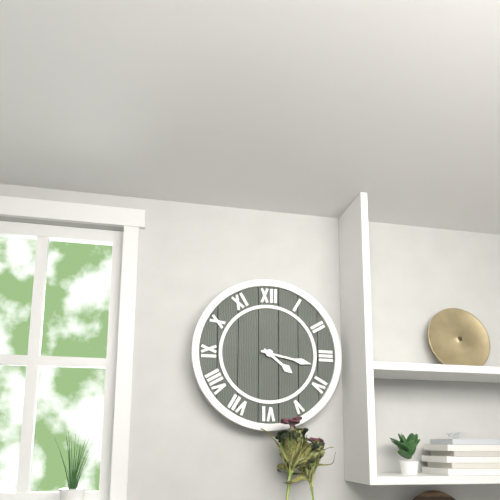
4:17
